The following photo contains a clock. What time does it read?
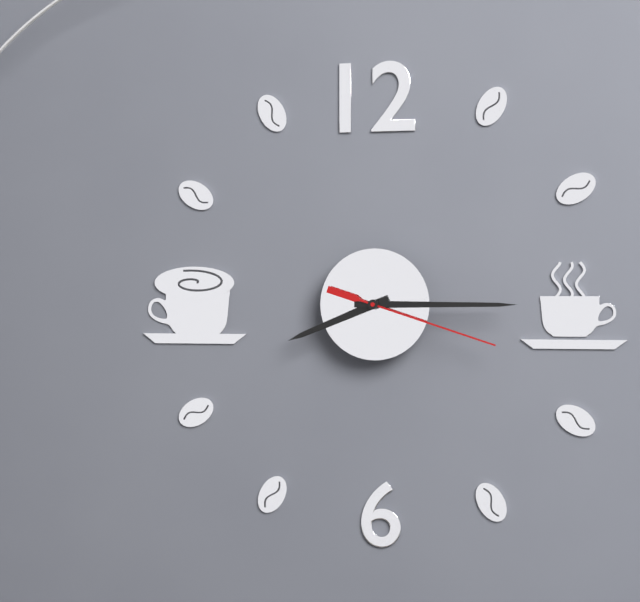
8:15:18
